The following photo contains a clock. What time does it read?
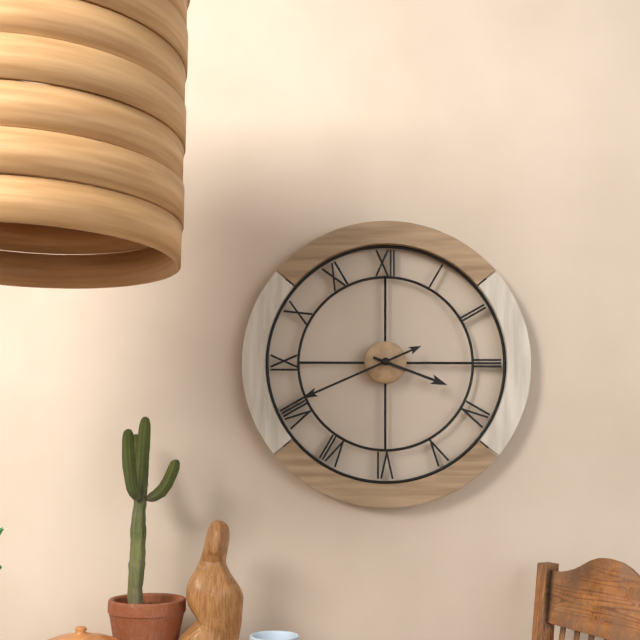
3:41
